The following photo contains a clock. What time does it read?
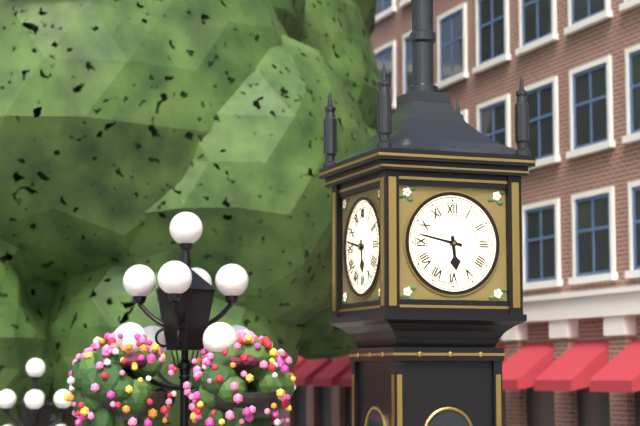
5:47
